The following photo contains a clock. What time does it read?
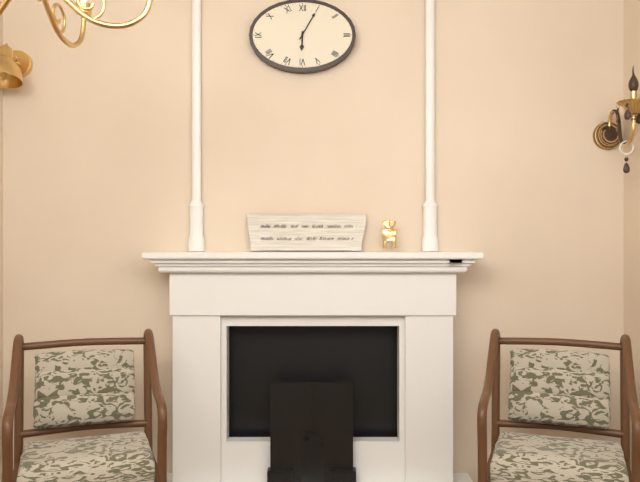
6:05
